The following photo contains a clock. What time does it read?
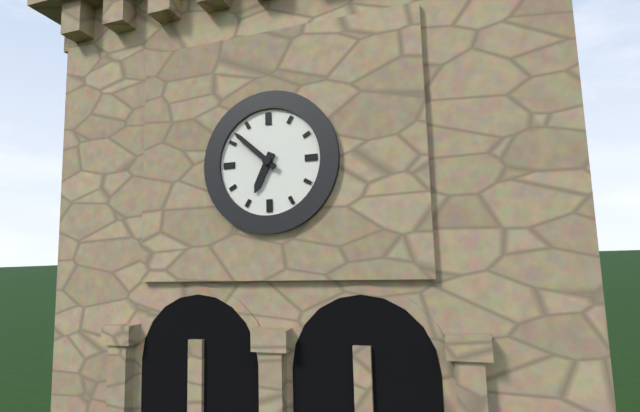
6:52
